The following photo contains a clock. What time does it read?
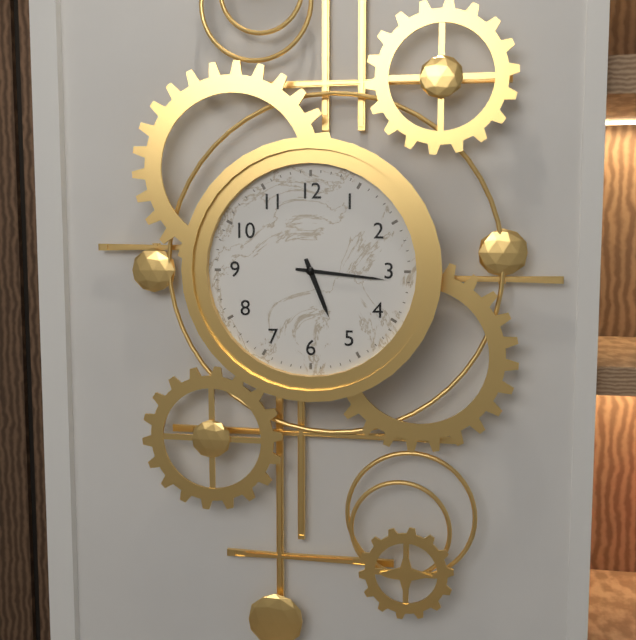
5:16
